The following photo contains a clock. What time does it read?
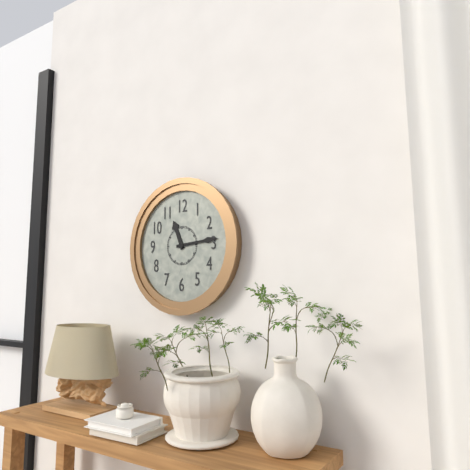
11:14
